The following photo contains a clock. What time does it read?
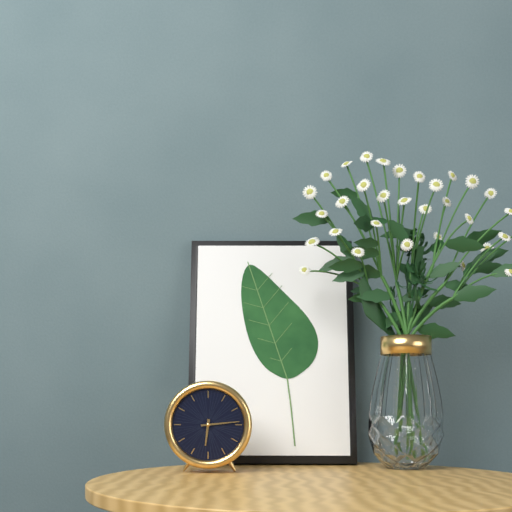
6:14
